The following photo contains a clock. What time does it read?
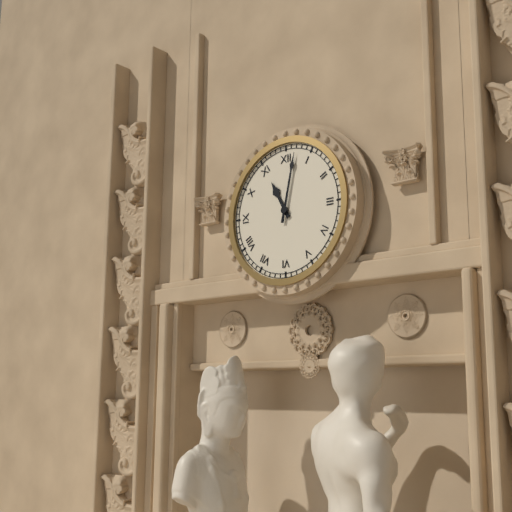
11:02
